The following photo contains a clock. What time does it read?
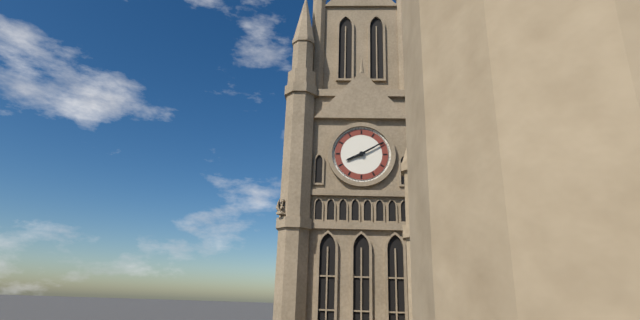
8:10
